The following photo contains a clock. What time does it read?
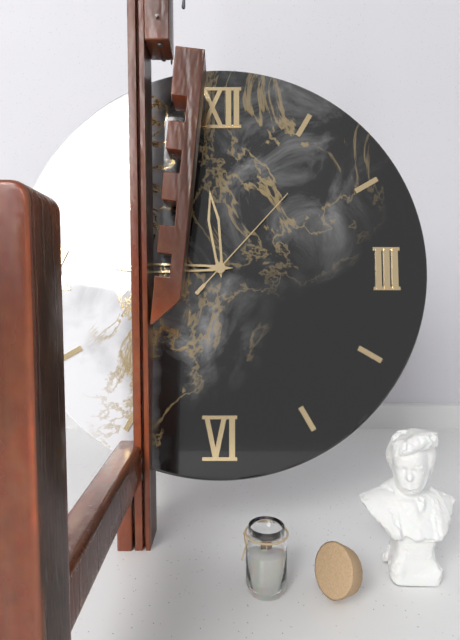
11:45:07
